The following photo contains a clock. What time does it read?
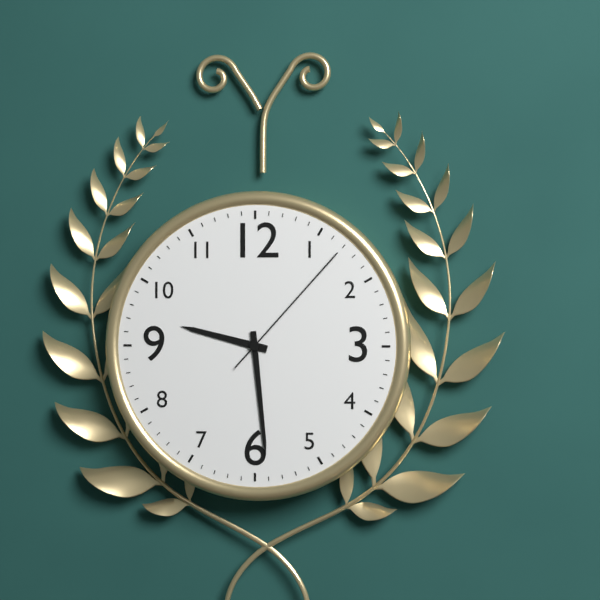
9:29:07
